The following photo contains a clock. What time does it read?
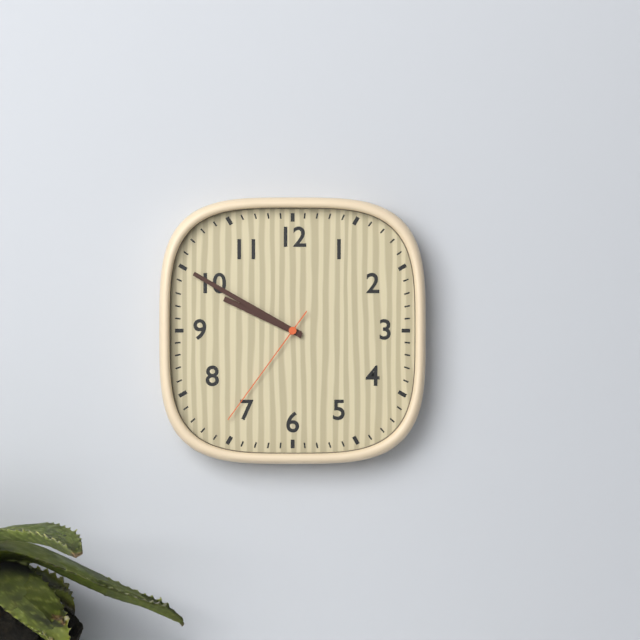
9:50:36
